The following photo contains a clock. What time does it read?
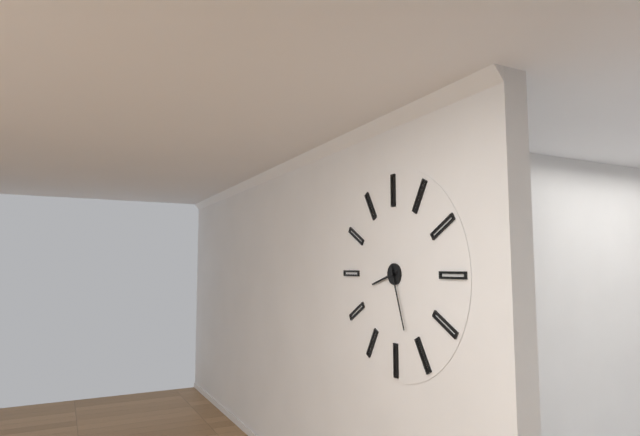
8:27
